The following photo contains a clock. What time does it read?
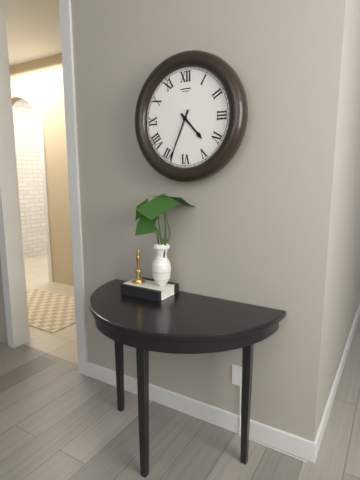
4:34
